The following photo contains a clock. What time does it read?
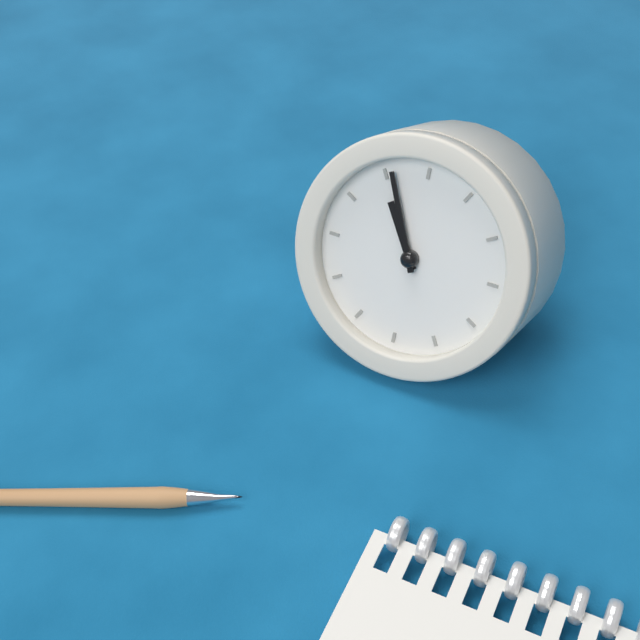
10:56
